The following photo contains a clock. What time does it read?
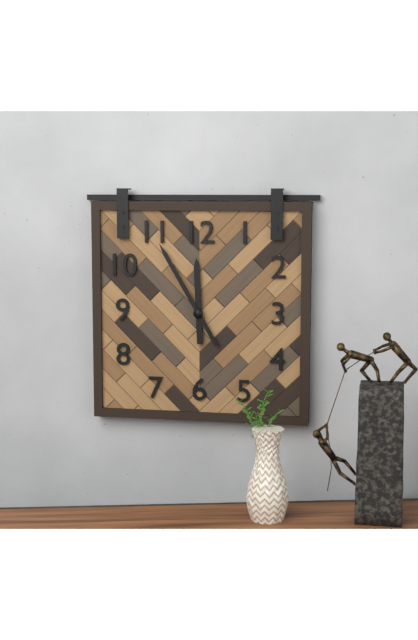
11:55
